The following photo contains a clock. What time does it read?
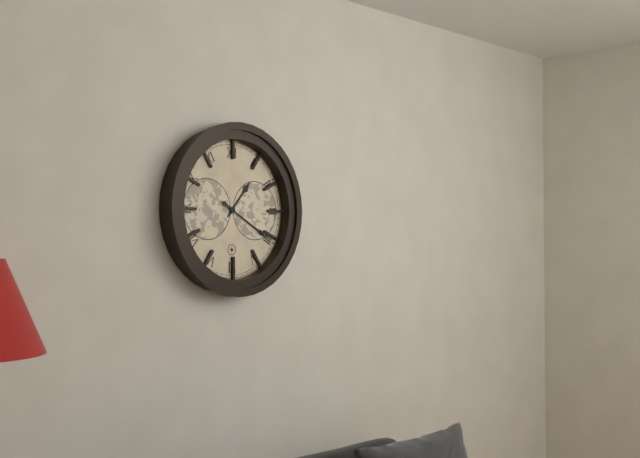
1:20
